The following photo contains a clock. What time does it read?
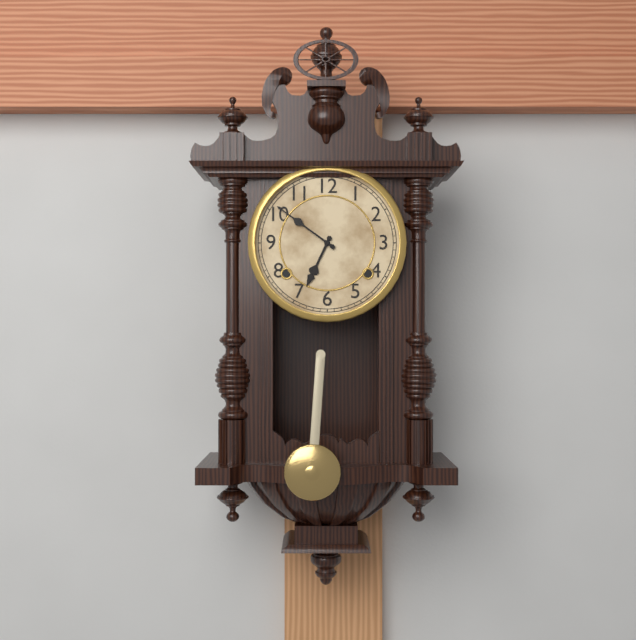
6:51
